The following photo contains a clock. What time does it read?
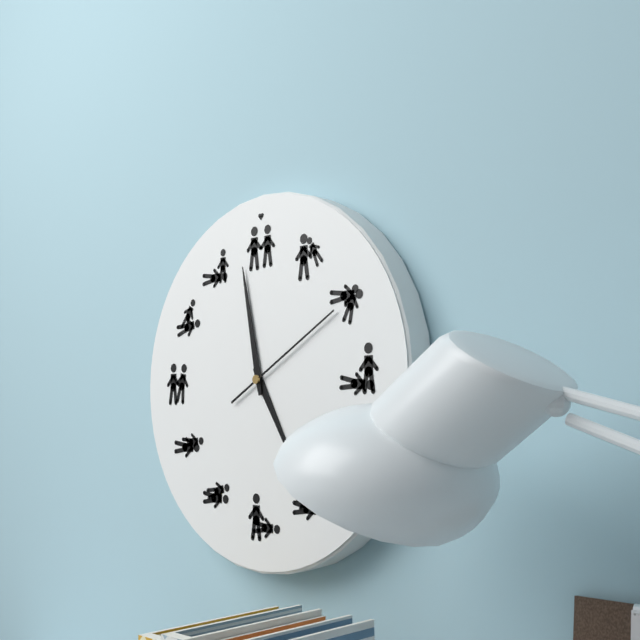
4:58:10
